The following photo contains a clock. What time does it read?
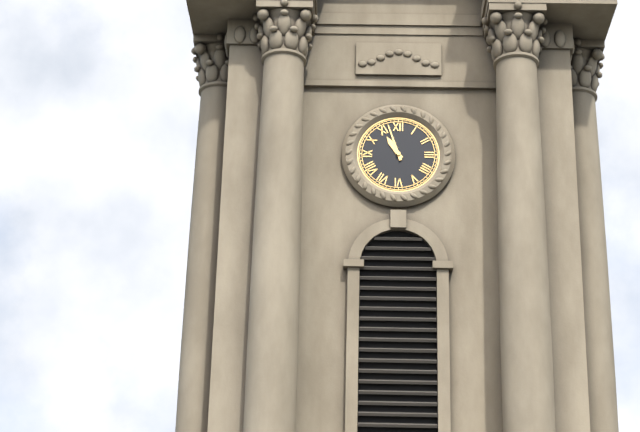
10:57
